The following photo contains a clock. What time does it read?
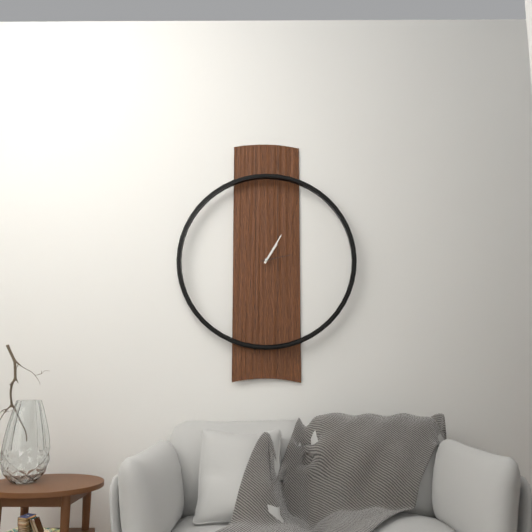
1:05
